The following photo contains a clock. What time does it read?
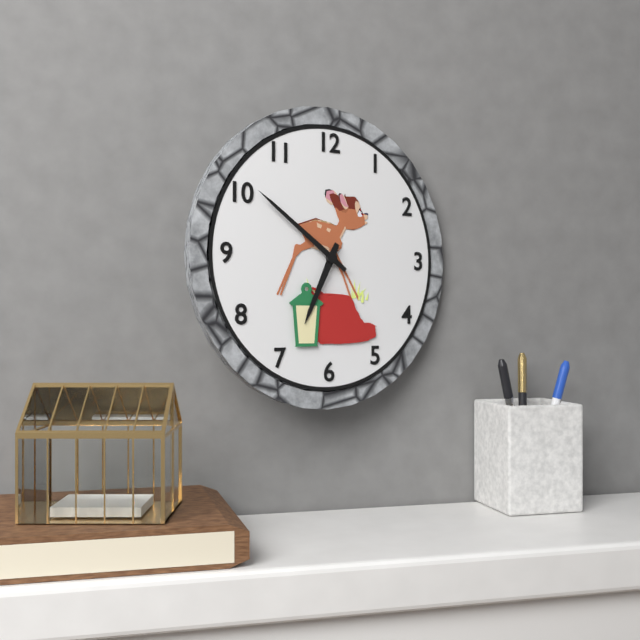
6:51
